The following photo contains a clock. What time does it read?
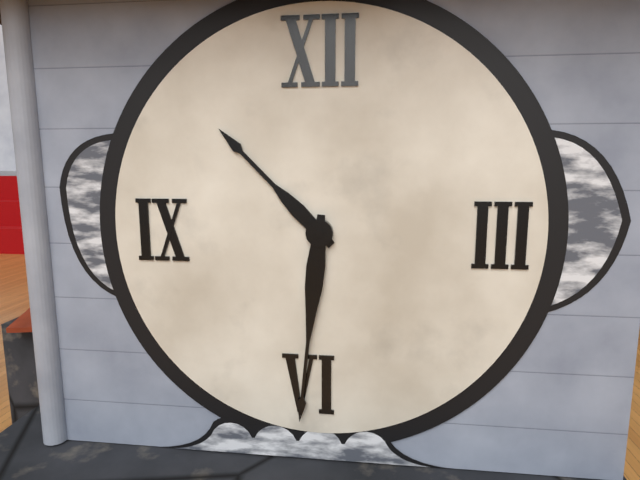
10:31
